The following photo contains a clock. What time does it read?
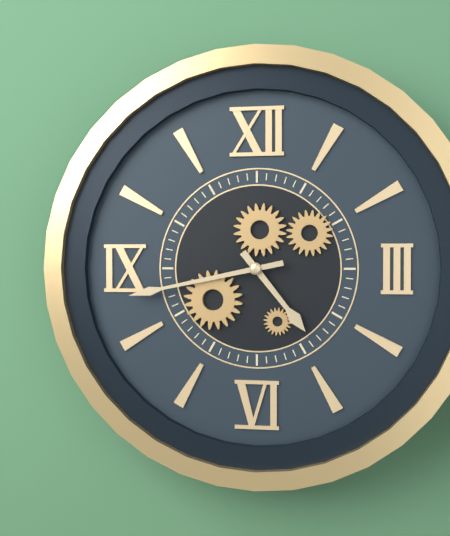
4:43
